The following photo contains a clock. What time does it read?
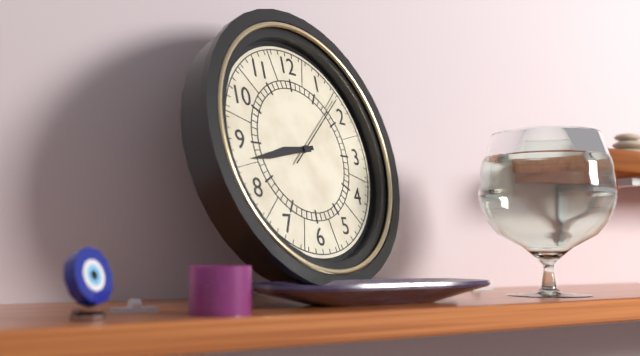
8:43:08
